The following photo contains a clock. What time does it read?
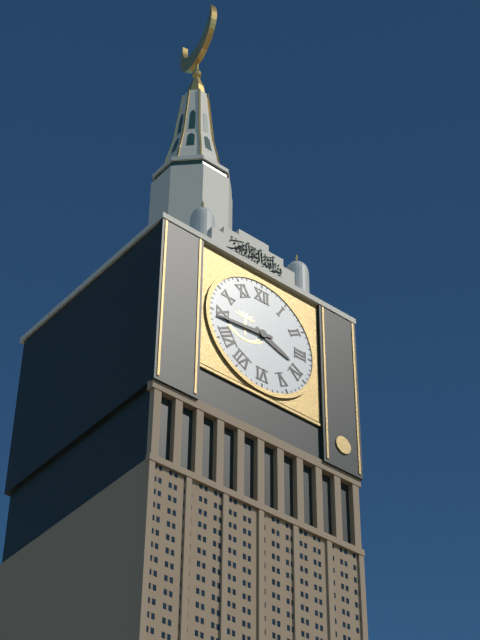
3:44
